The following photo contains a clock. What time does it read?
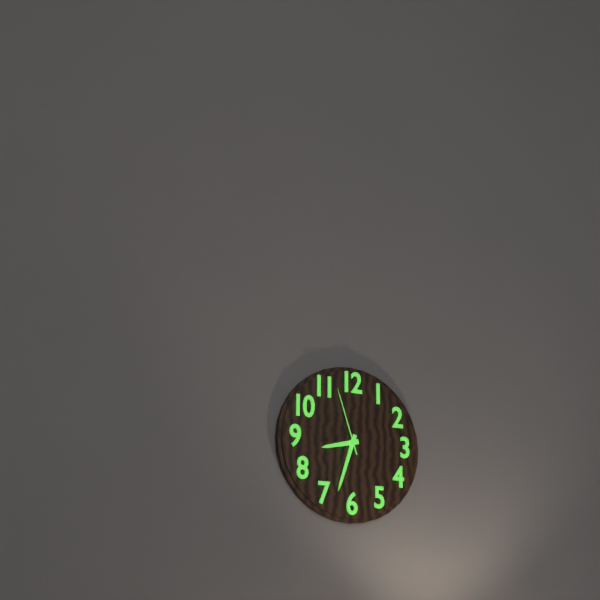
8:33:57
